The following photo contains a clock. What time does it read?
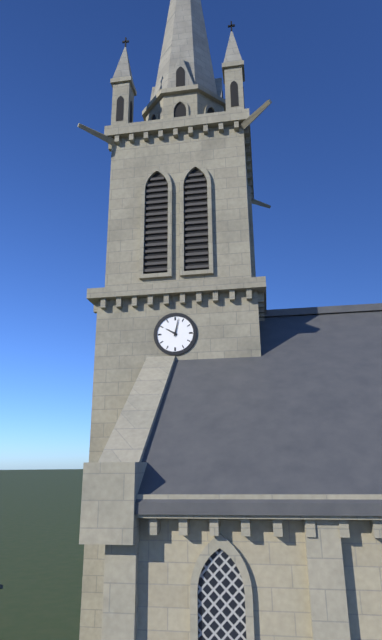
10:02
